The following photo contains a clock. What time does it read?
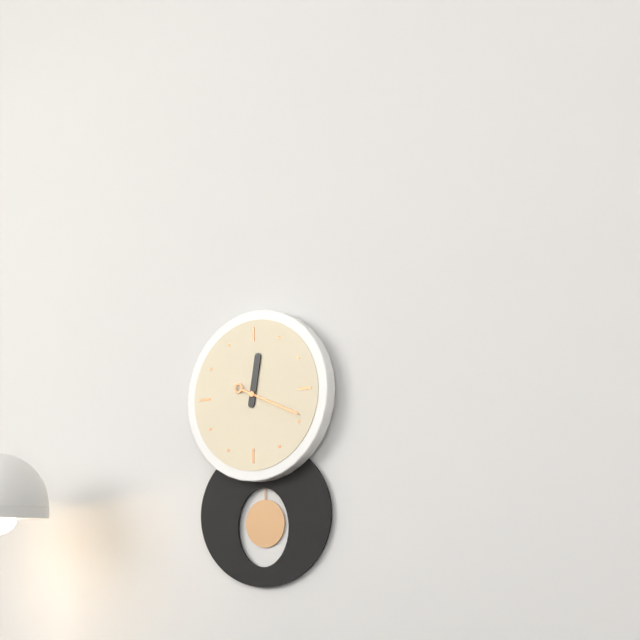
12:19
